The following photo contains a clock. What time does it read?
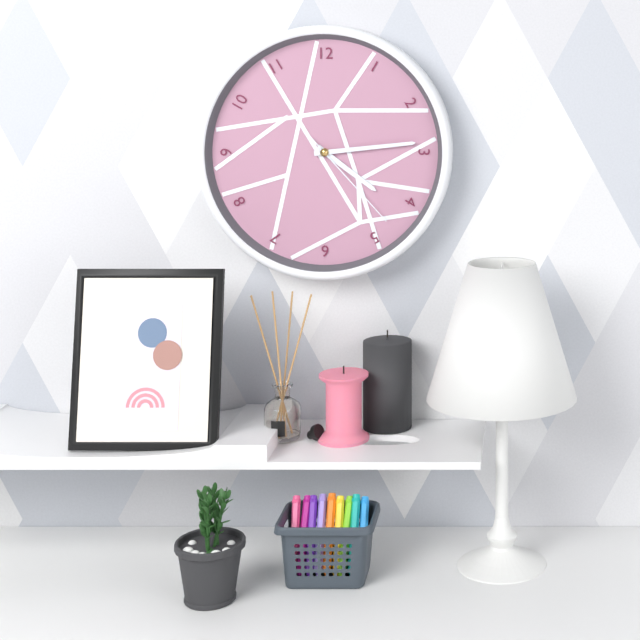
4:14:23
